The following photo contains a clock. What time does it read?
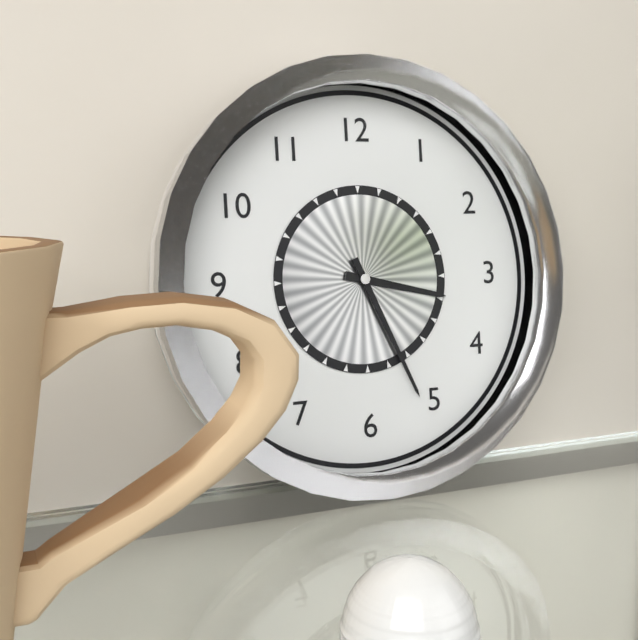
3:26
